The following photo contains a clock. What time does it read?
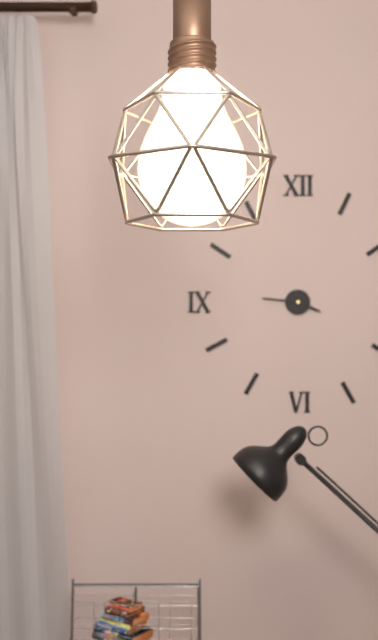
3:46
